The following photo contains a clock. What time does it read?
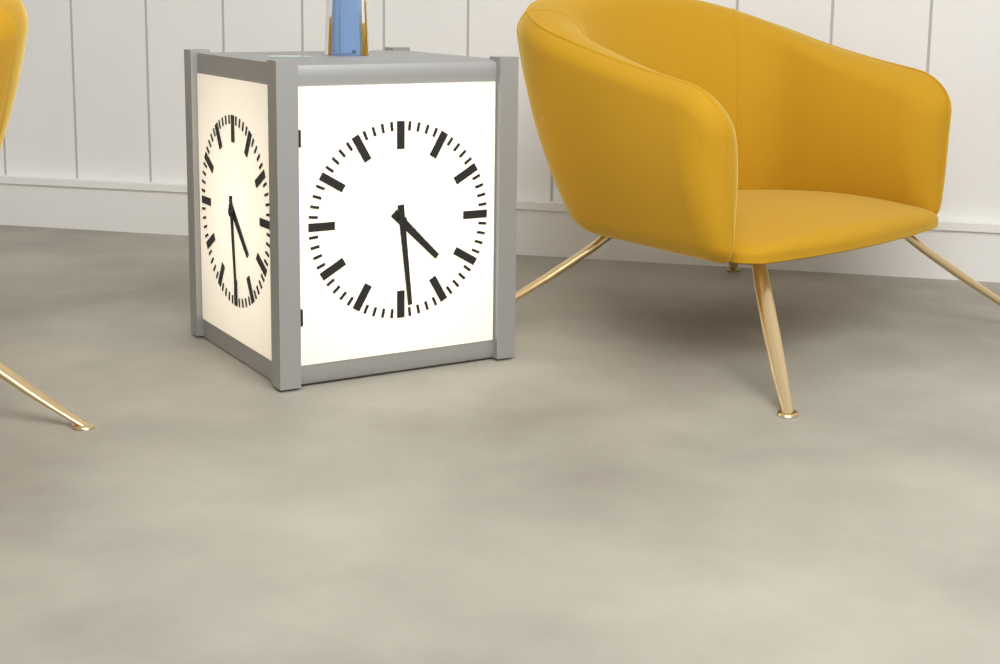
4:29
